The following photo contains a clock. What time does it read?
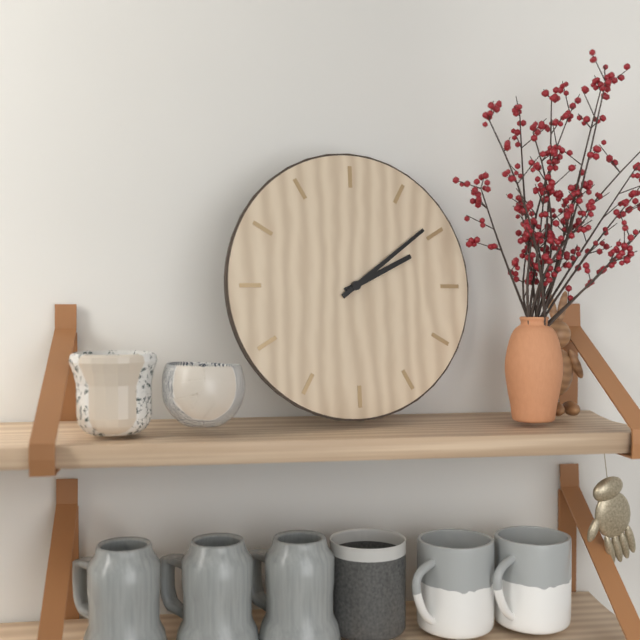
2:09
